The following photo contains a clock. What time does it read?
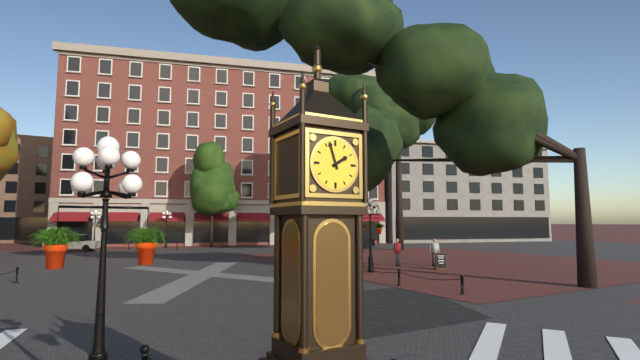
1:57
